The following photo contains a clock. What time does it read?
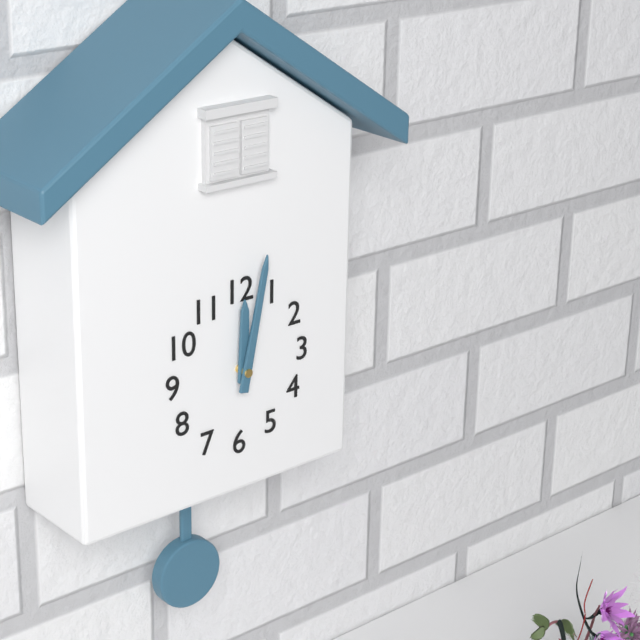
12:02
